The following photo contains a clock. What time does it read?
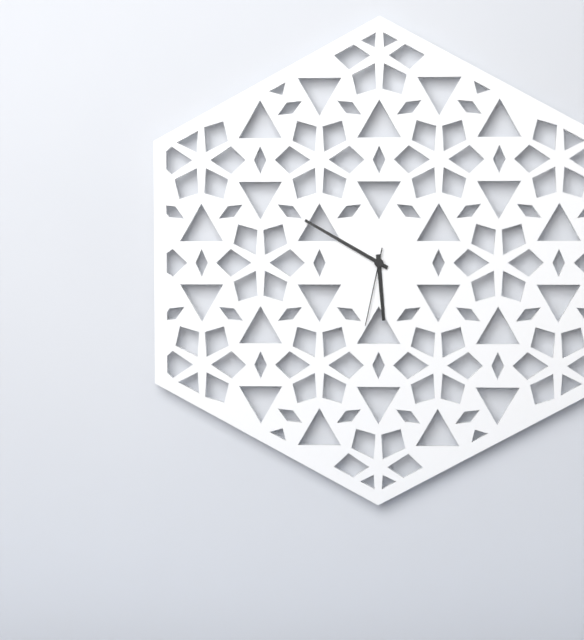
5:50:32
